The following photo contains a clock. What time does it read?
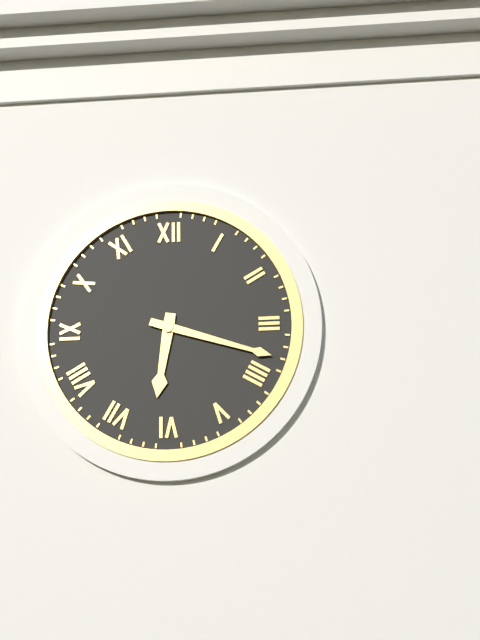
6:18
